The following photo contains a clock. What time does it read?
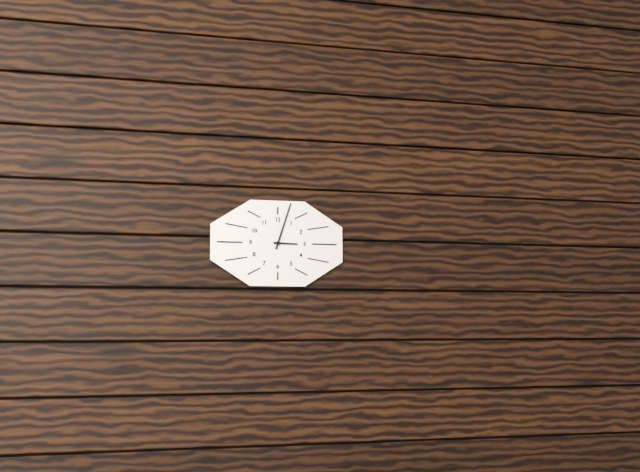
3:03
